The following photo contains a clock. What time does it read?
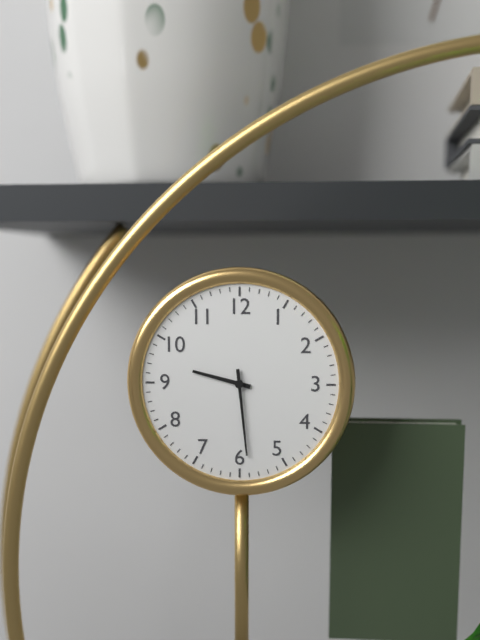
9:29
